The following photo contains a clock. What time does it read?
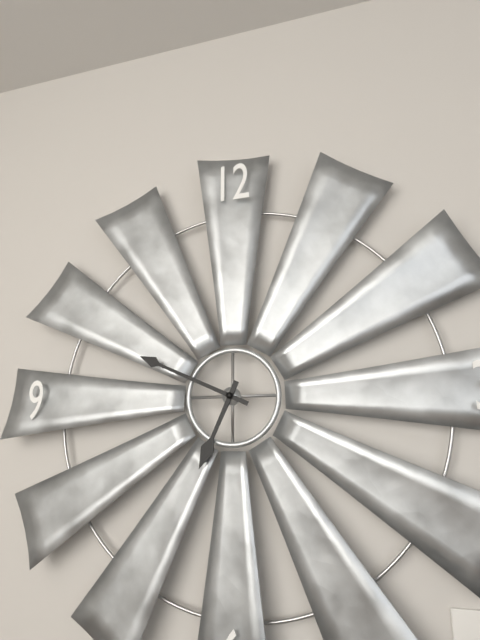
6:49
